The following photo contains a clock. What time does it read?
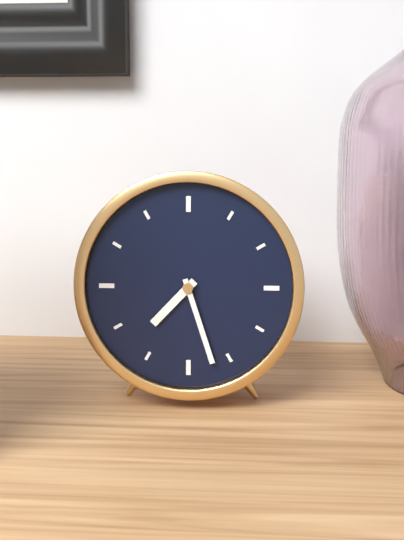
7:27
